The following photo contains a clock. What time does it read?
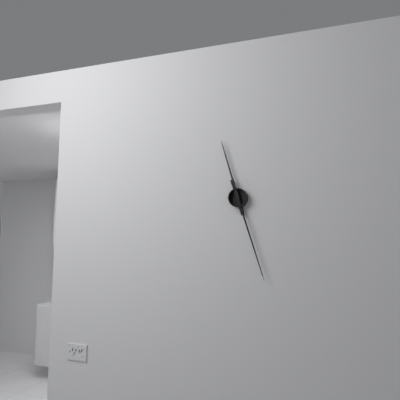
11:27
